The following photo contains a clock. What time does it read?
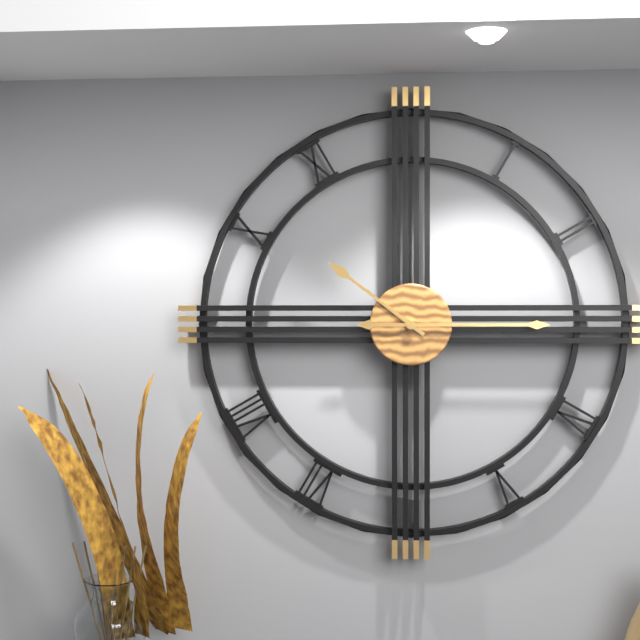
10:15
